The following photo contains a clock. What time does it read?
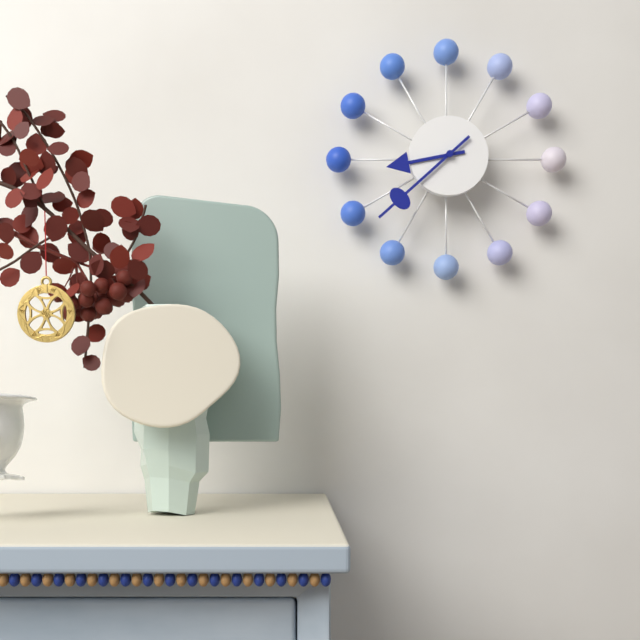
8:38
